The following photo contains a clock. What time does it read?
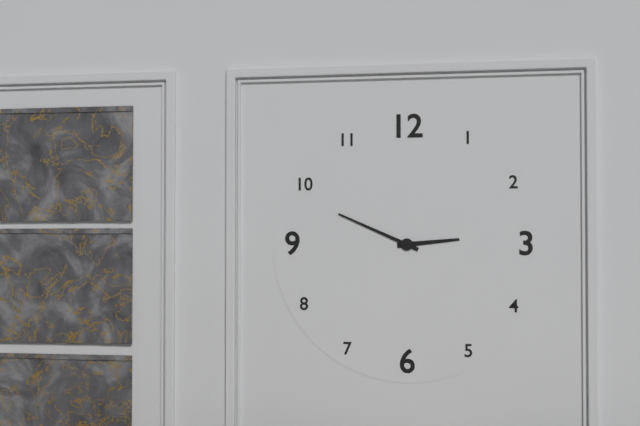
2:49
